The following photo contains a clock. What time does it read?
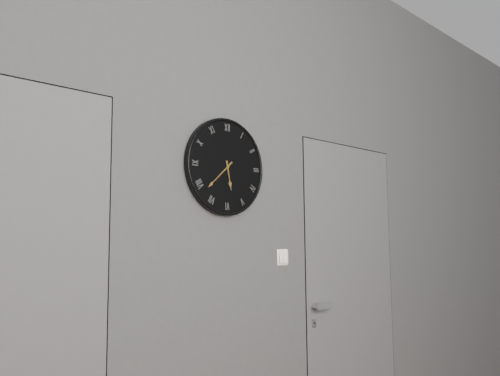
5:38
